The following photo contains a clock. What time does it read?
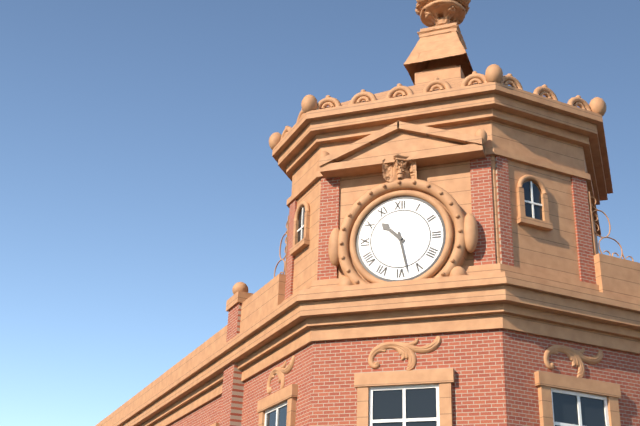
10:28
